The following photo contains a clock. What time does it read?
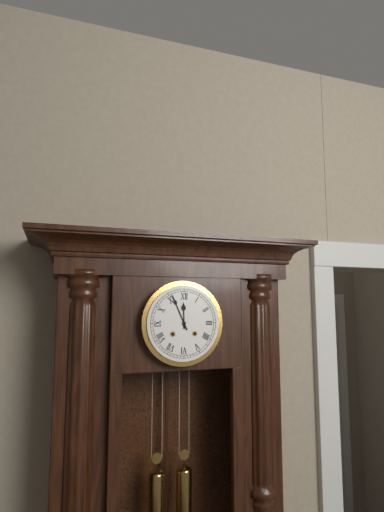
11:56
